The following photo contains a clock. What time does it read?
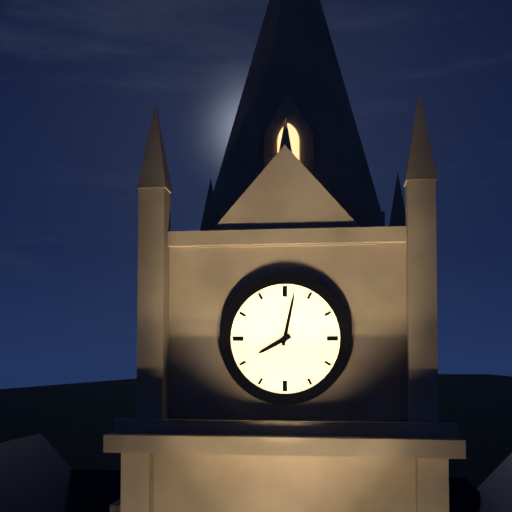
8:02
